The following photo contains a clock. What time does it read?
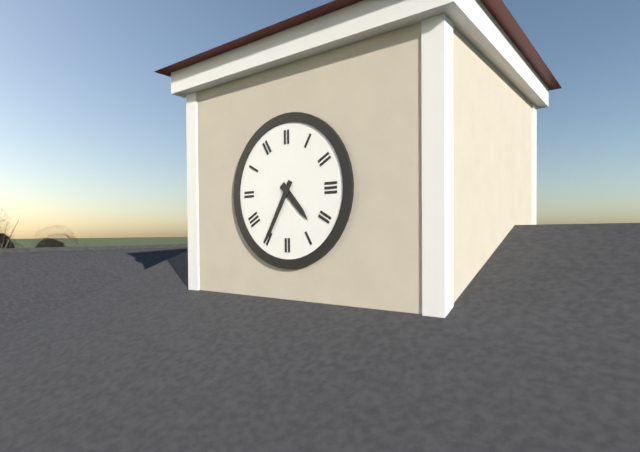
4:35
